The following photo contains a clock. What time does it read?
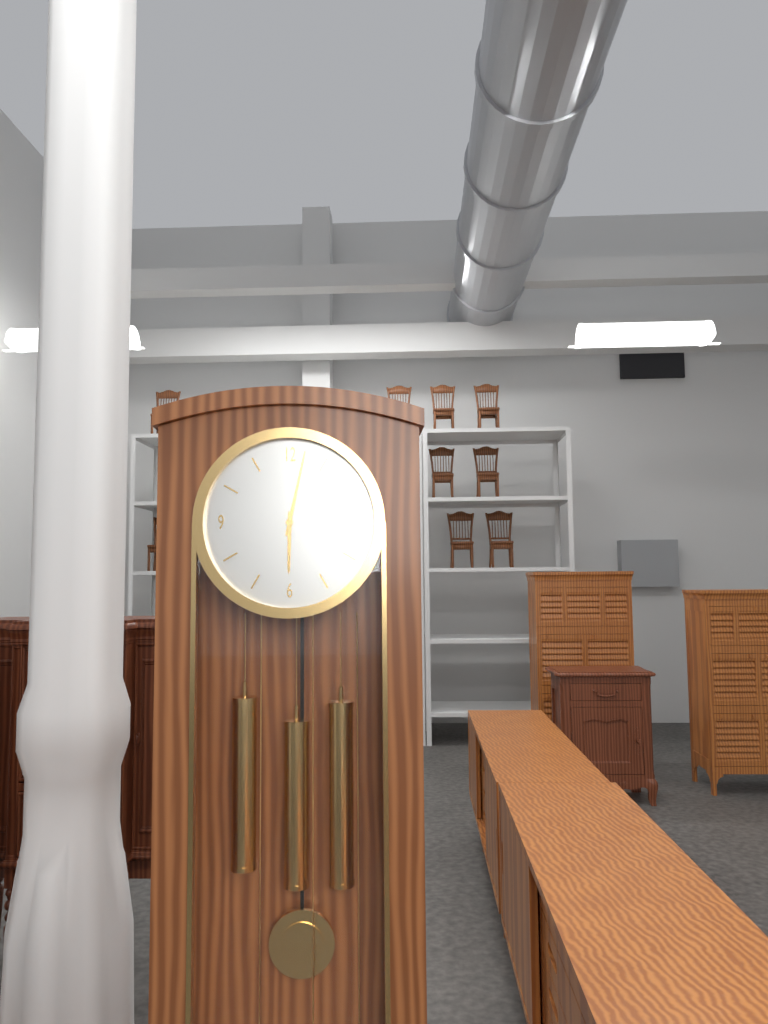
6:02
